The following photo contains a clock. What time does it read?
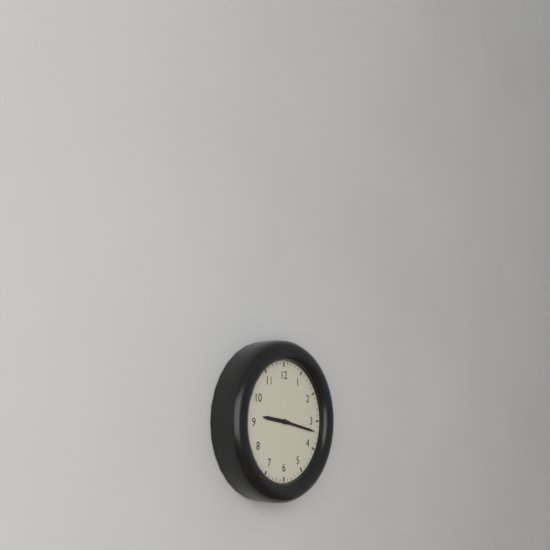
9:17
